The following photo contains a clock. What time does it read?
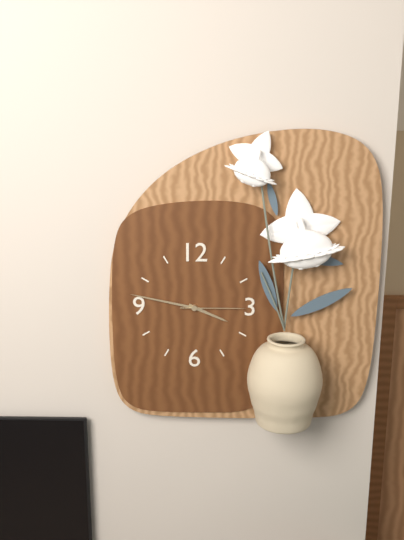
3:47:15
